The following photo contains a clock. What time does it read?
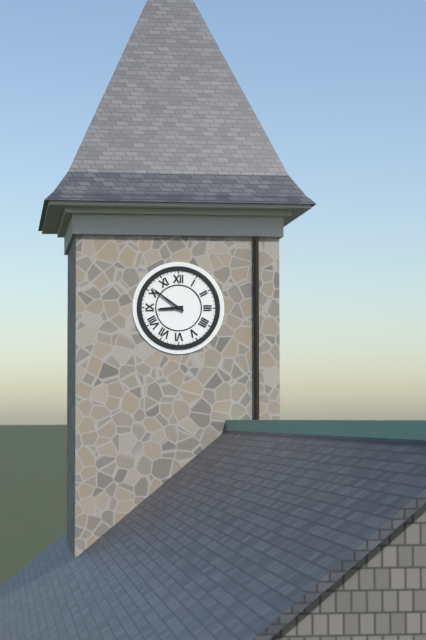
8:51
